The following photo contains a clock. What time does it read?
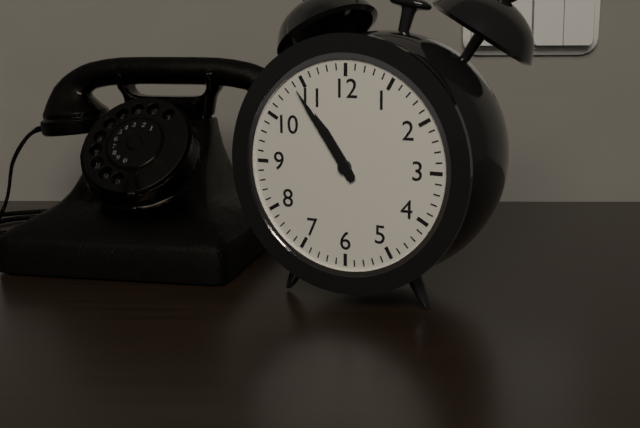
10:54
